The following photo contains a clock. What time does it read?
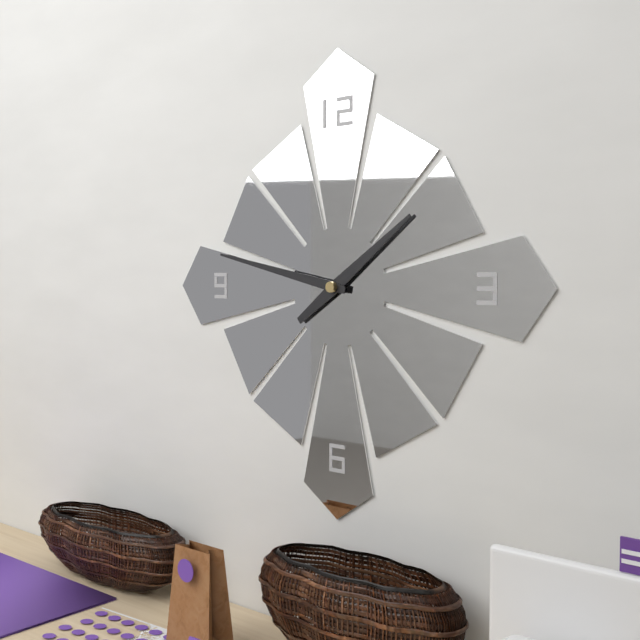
1:47
